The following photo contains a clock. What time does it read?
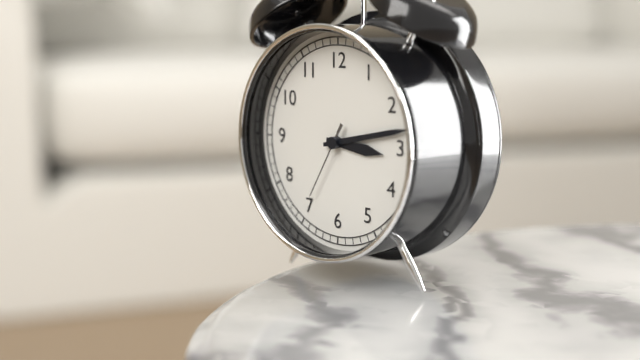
3:13:35
